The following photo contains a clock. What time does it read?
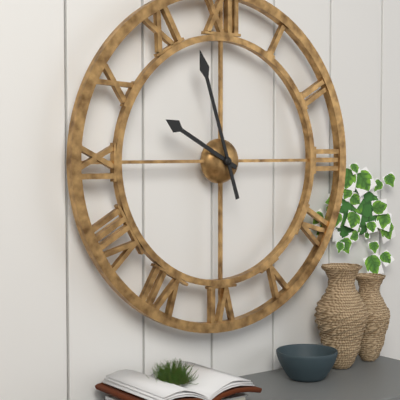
9:57
